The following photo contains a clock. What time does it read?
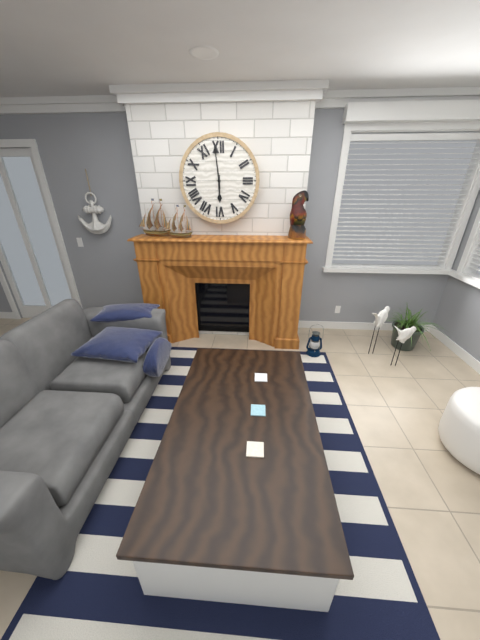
5:59
